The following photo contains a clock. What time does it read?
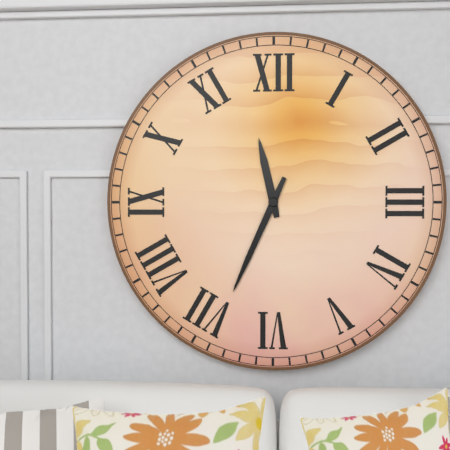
11:34
